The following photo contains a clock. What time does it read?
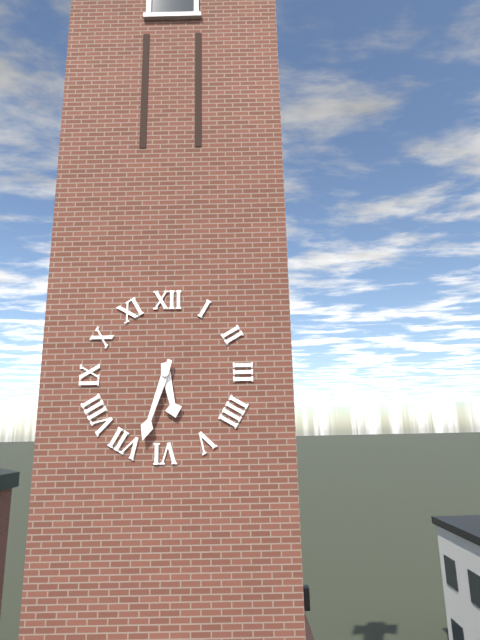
5:33
